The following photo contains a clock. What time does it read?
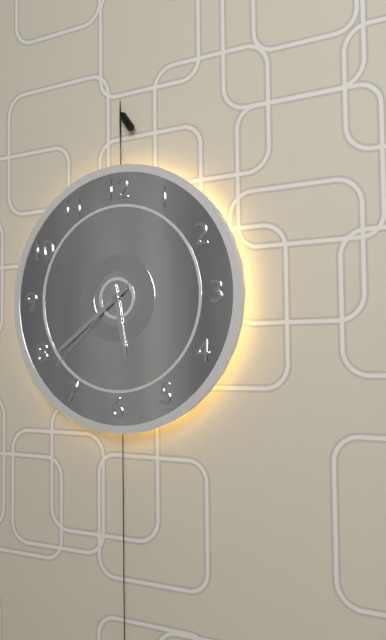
5:39:38
